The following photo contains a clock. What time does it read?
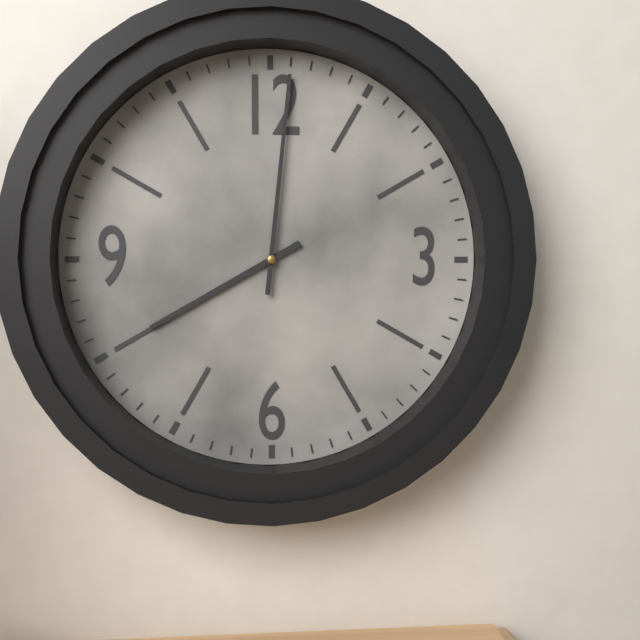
8:01
